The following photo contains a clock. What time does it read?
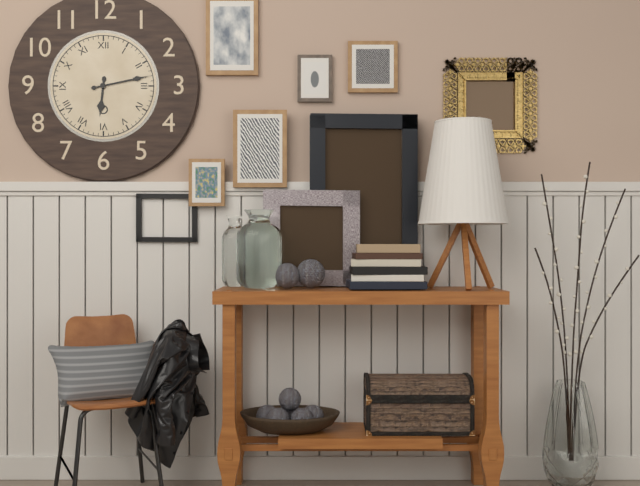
6:13
